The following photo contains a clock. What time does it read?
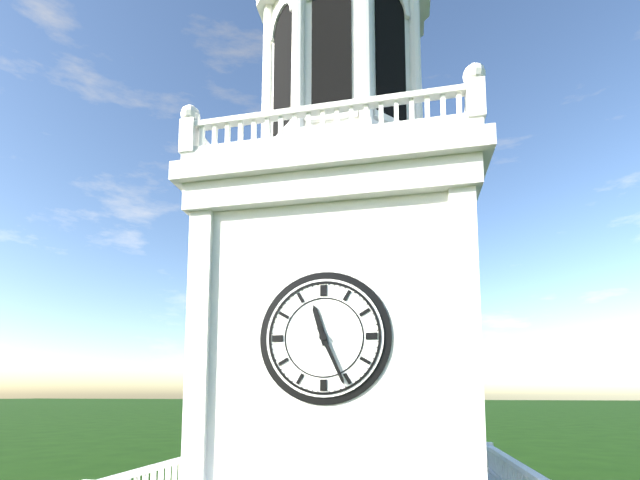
11:26
